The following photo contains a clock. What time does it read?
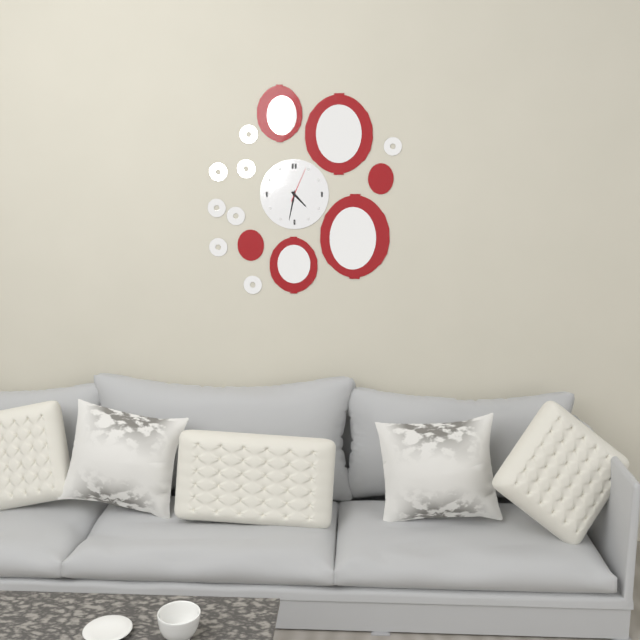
4:32
